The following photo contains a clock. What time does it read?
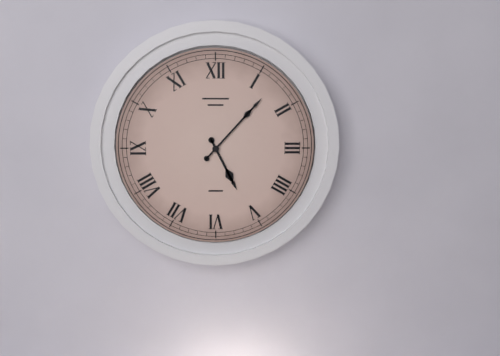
5:07
